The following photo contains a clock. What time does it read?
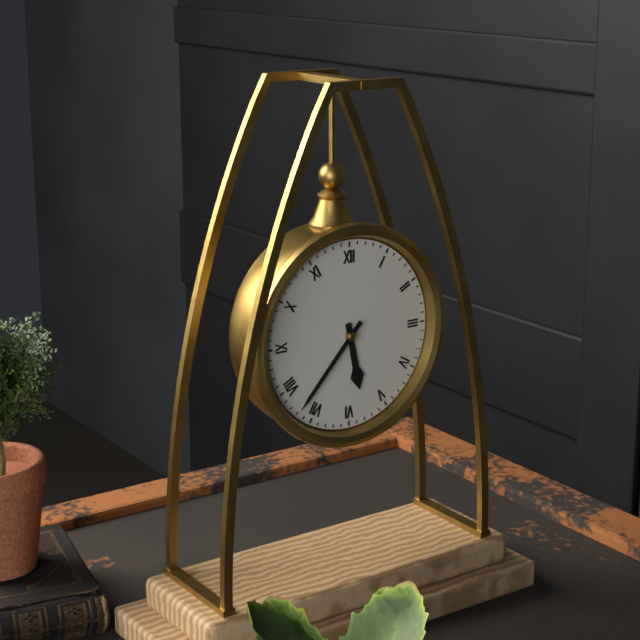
5:37
